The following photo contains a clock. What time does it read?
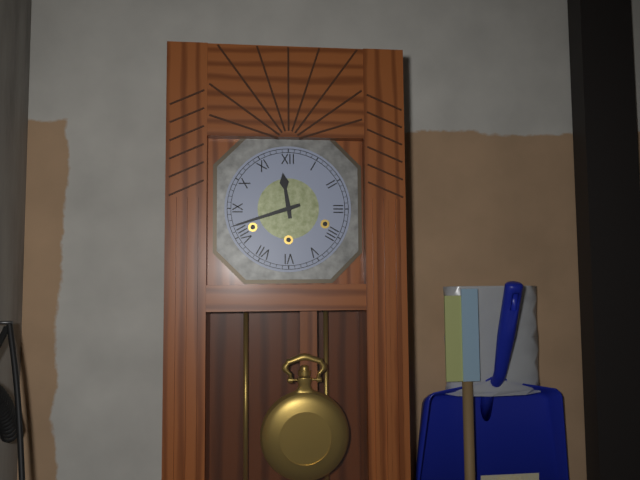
11:42
